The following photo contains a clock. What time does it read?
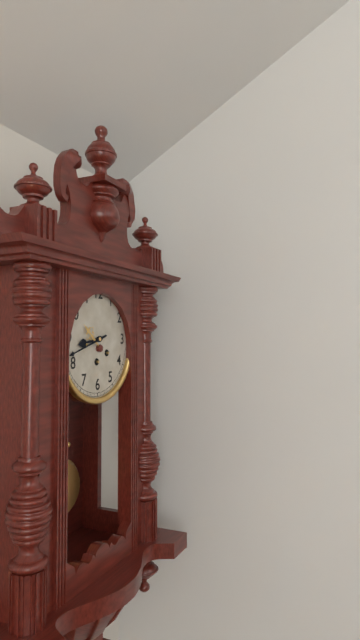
8:42
